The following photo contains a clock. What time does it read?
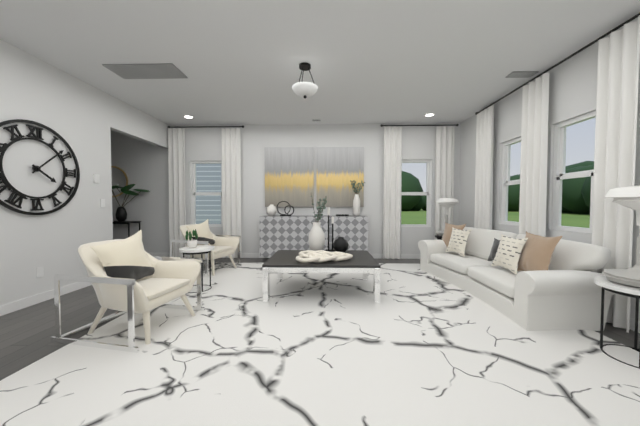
4:08
